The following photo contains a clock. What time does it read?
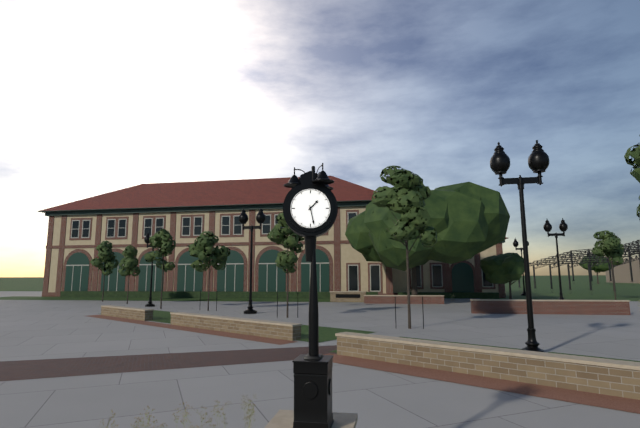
1:28
